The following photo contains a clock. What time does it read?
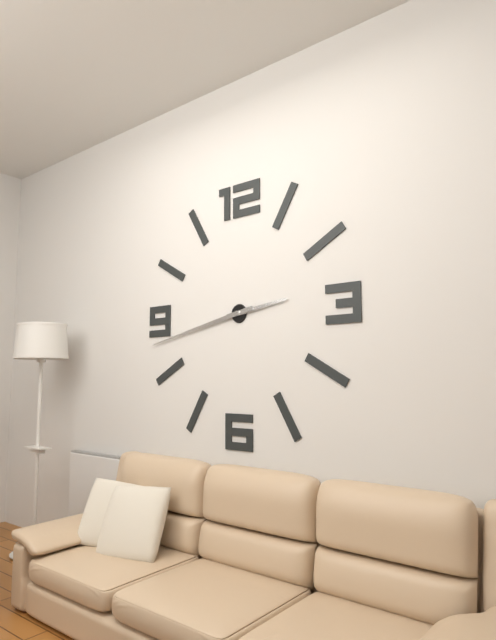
2:43
